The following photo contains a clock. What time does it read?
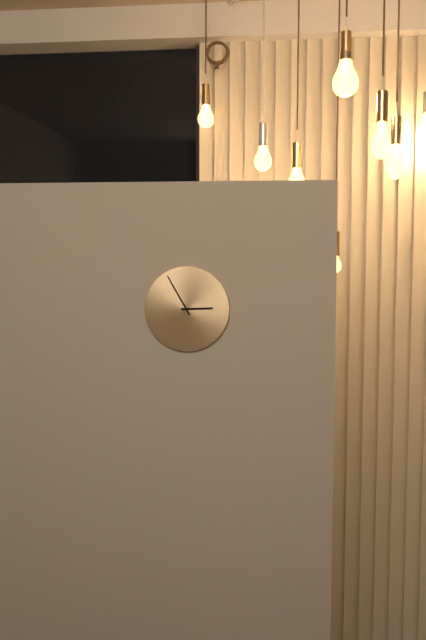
2:55
